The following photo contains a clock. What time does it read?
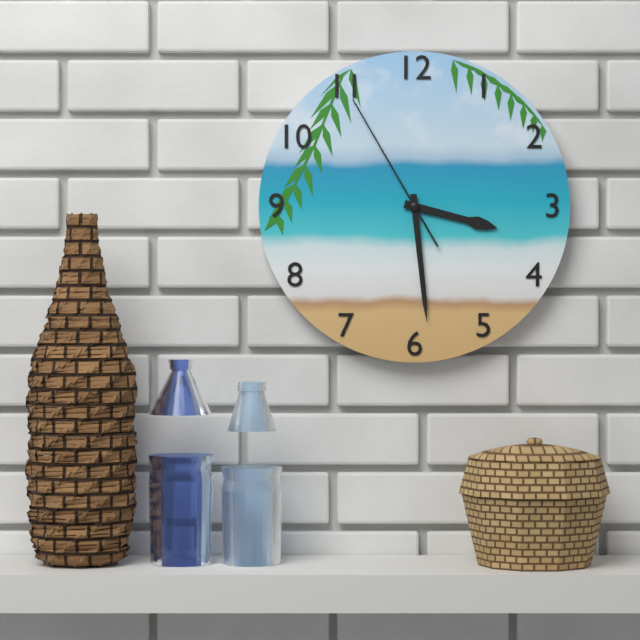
3:29:55
